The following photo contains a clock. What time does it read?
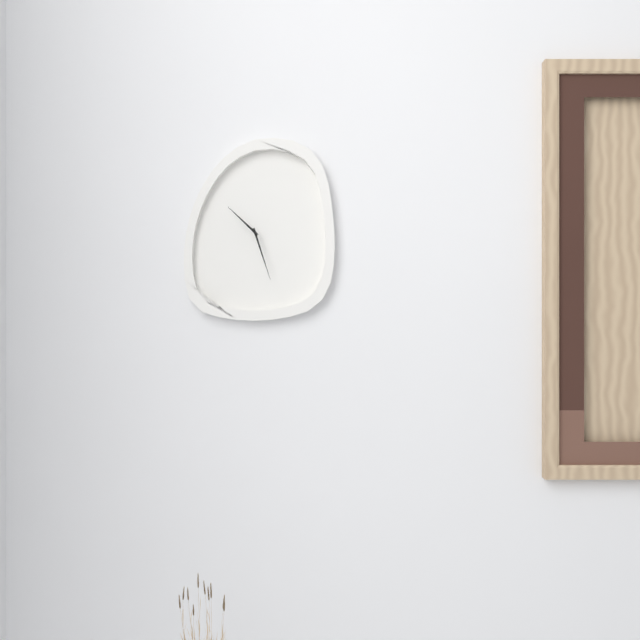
10:27
